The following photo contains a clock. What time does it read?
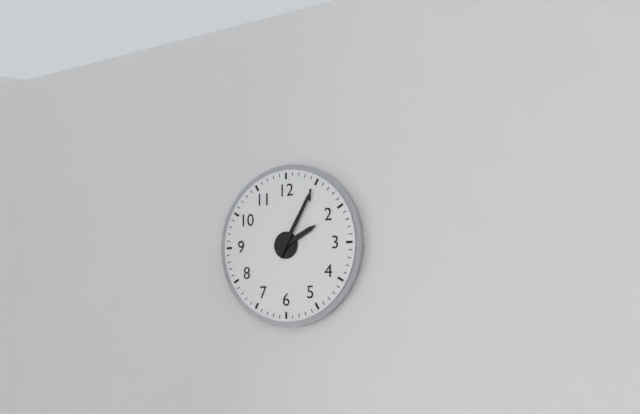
2:05
